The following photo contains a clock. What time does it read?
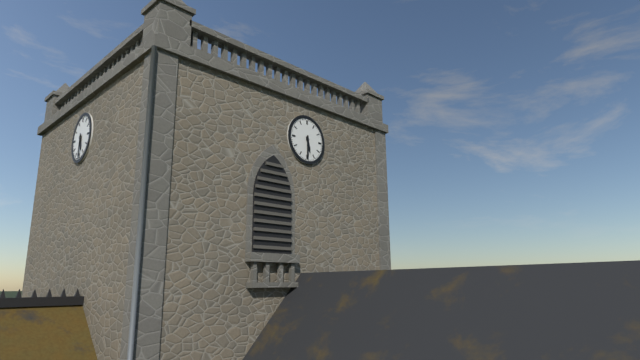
5:30
